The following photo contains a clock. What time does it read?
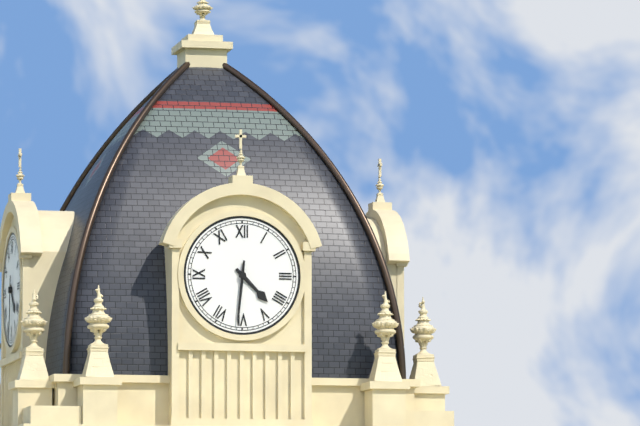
4:31
